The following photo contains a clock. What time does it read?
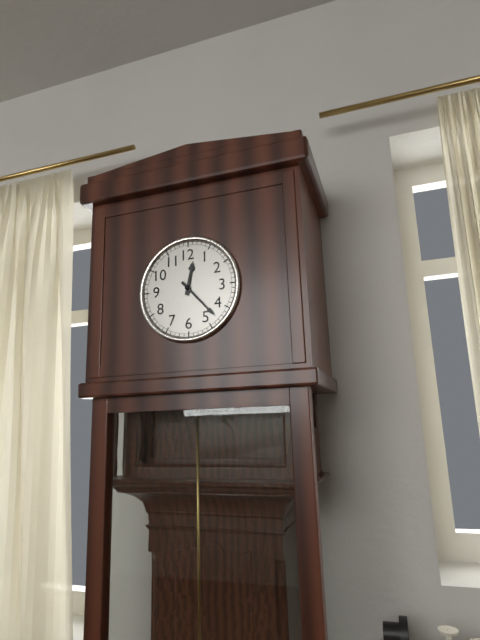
12:23
